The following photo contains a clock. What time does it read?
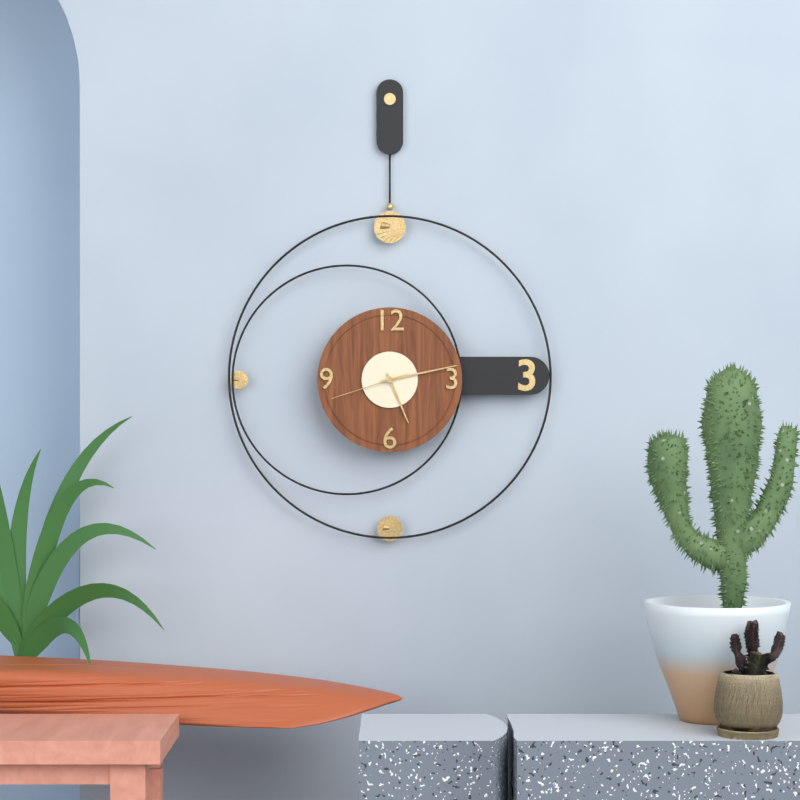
5:13:42
